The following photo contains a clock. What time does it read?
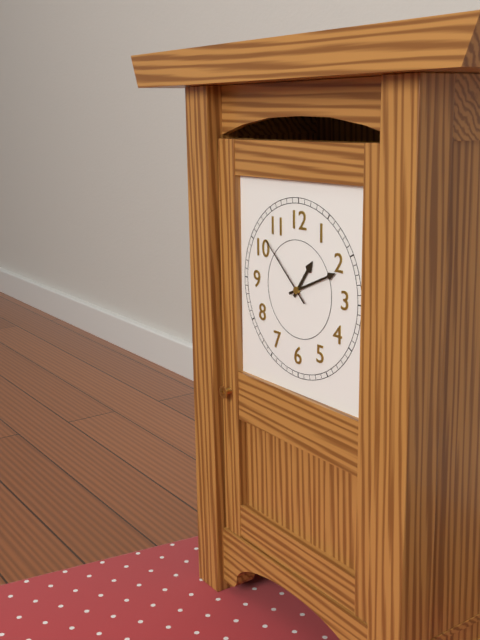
1:11:52
